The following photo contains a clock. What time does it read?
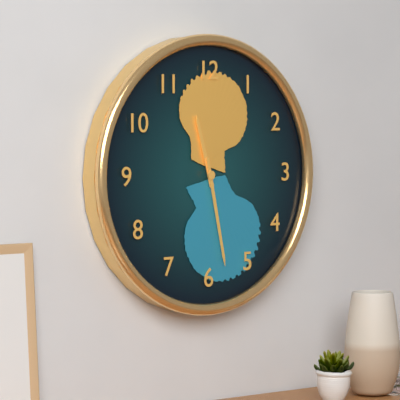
11:28
